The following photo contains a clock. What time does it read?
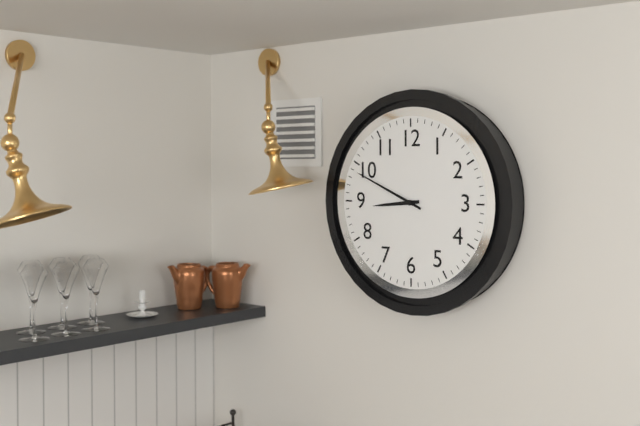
8:49
